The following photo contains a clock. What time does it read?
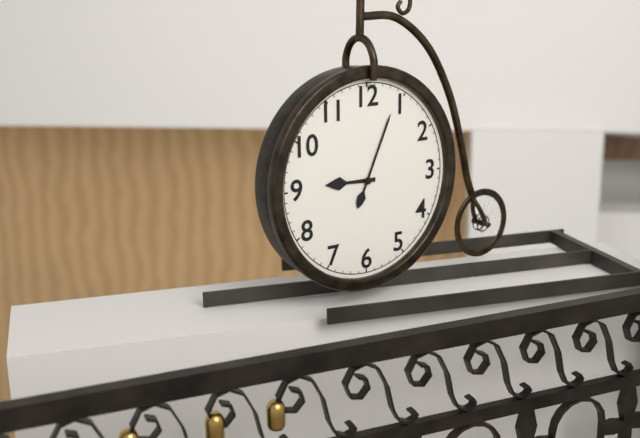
9:04
